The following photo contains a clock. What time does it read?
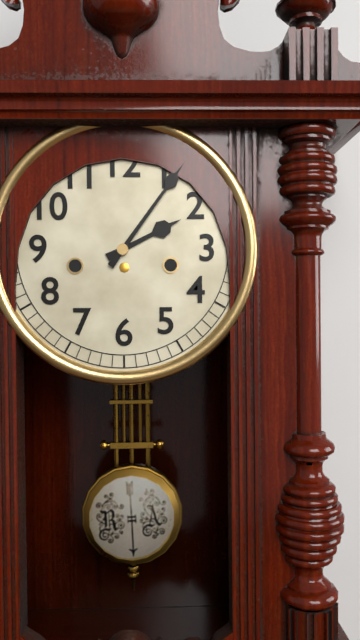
2:06
